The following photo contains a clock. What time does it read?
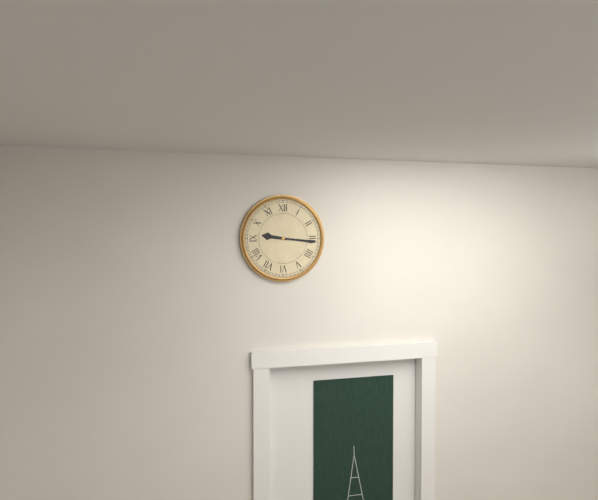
9:16
